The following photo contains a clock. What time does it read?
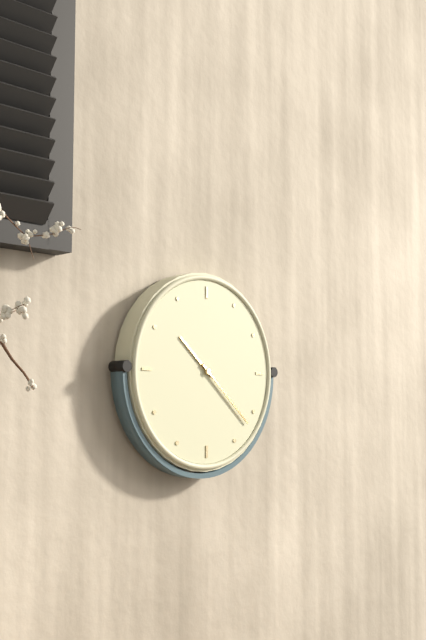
10:22
